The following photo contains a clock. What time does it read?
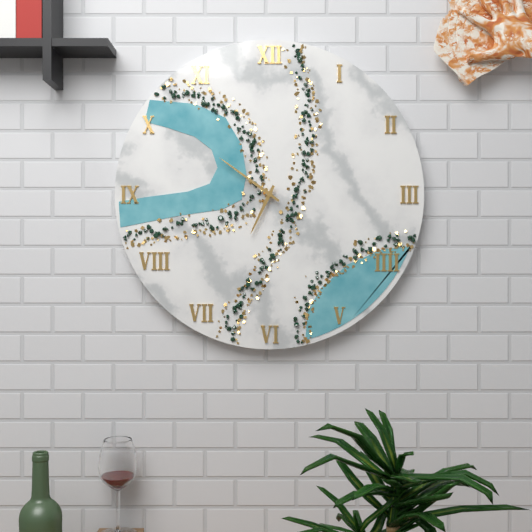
6:51
